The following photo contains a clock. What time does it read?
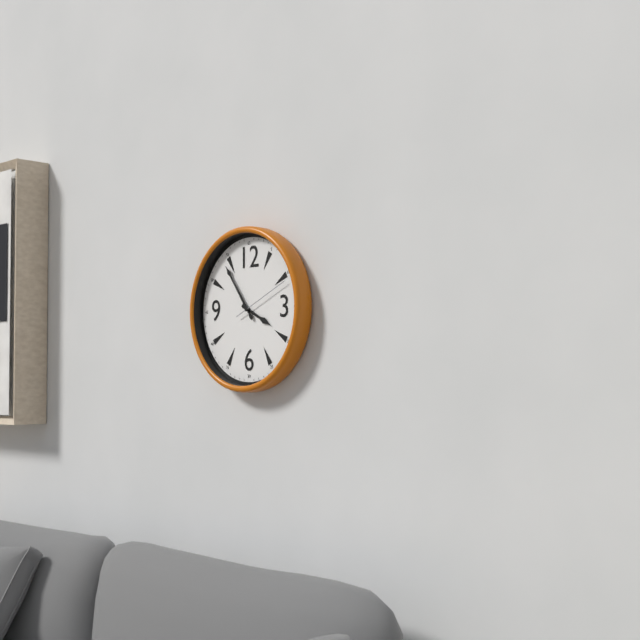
3:54:11
